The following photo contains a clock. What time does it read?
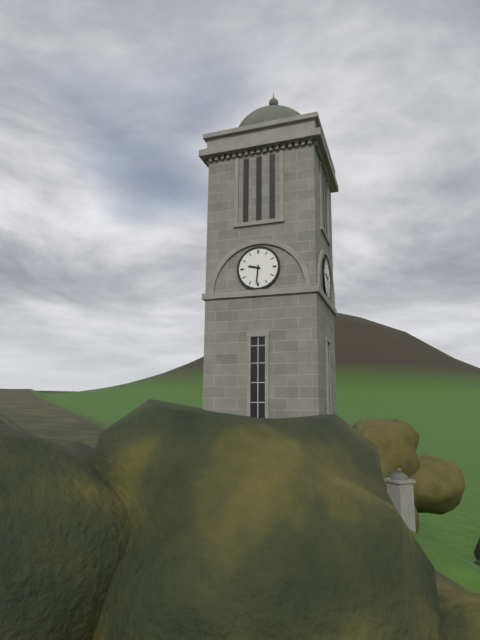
9:31
